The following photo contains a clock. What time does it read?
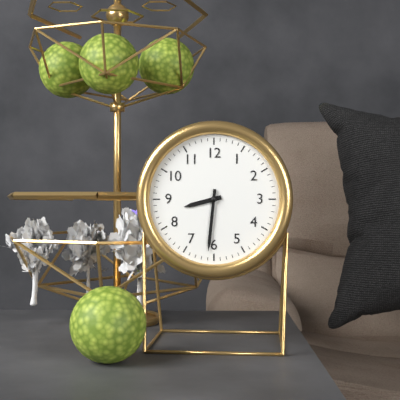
8:31
